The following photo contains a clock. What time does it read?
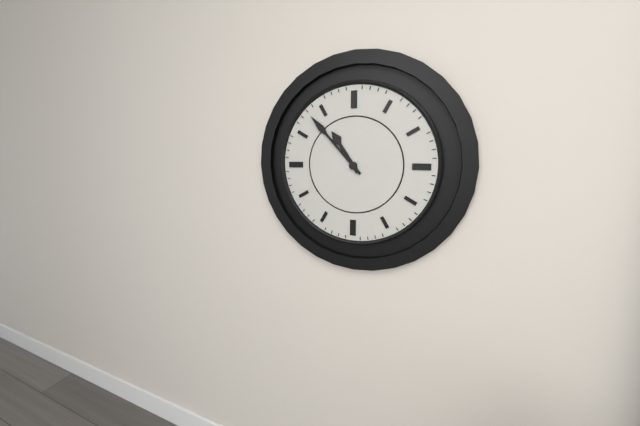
10:53
